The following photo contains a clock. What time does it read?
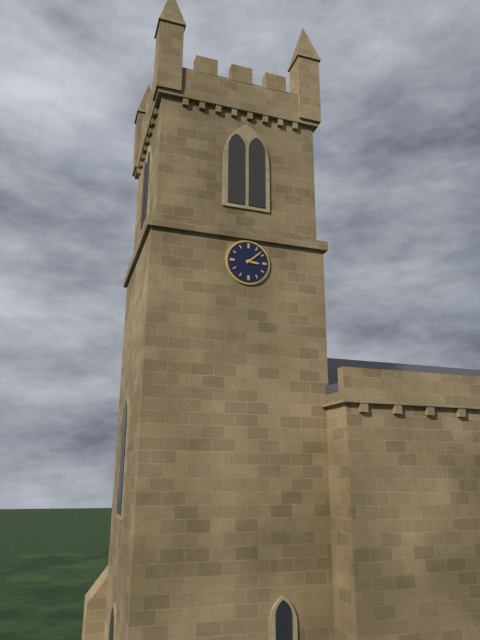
3:08
